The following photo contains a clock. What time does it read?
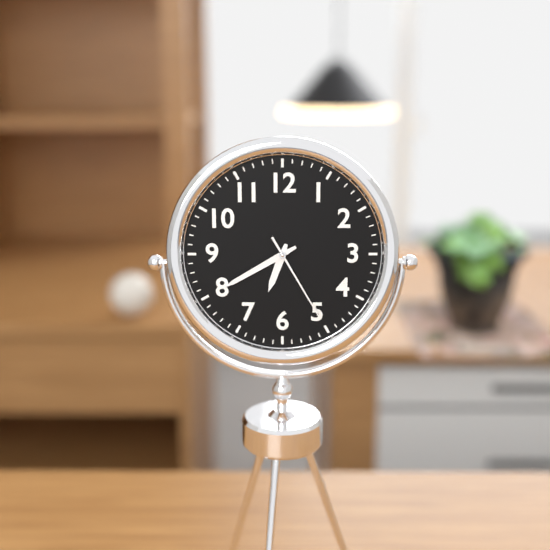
6:40:25
